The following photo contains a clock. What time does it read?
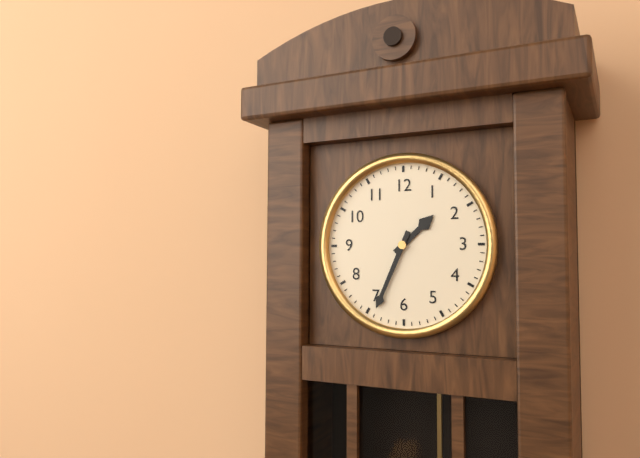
1:34
